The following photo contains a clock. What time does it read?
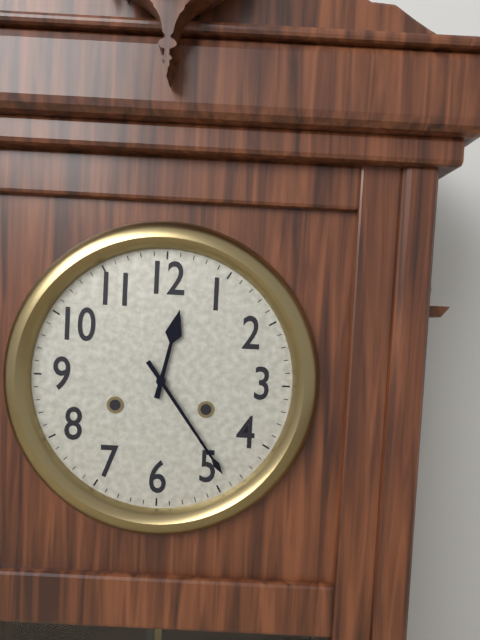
12:24
